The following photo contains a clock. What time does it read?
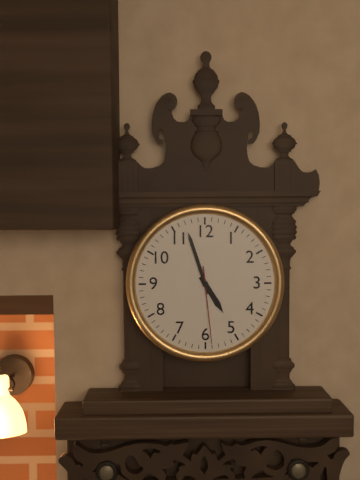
4:57:29
